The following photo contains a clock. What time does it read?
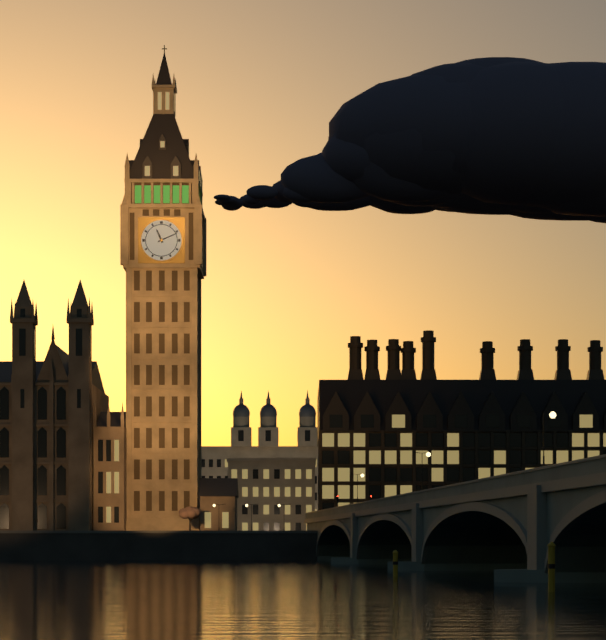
11:11
